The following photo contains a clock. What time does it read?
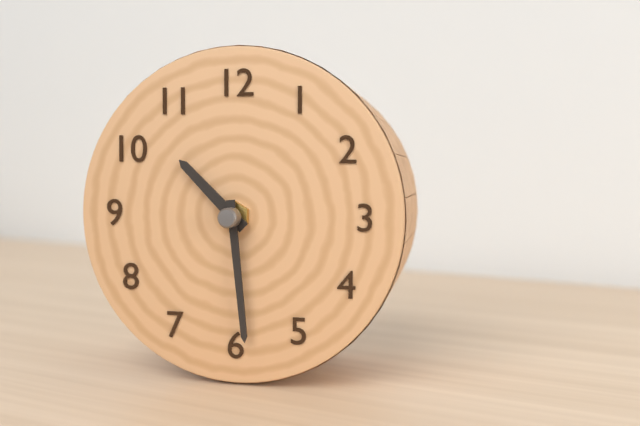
10:29
